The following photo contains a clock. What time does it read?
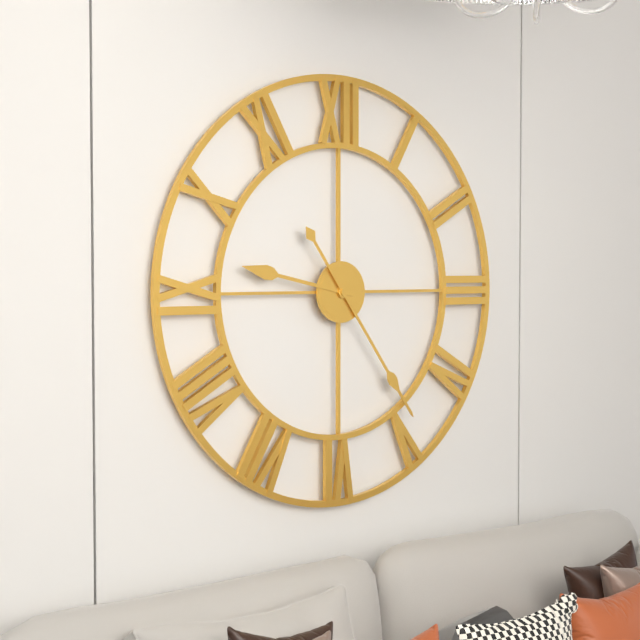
9:24
